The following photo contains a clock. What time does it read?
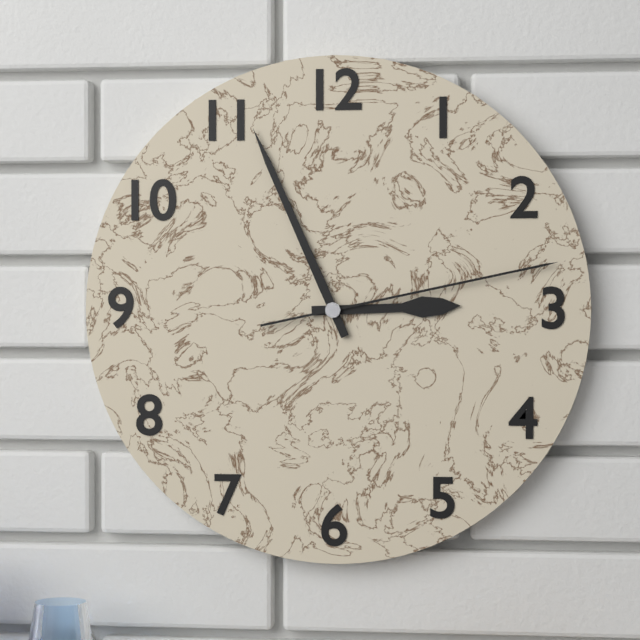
2:56:13
